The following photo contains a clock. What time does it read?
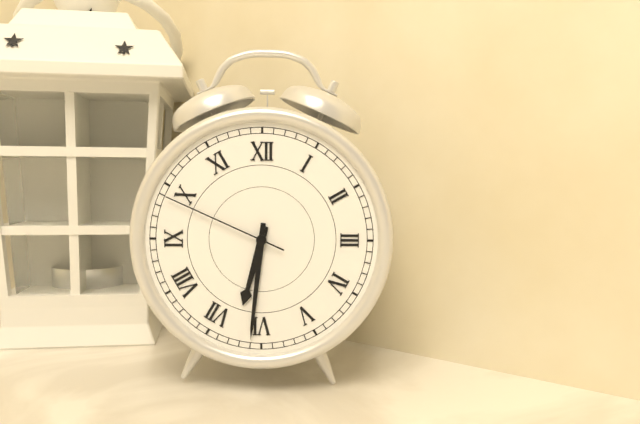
6:31:49
